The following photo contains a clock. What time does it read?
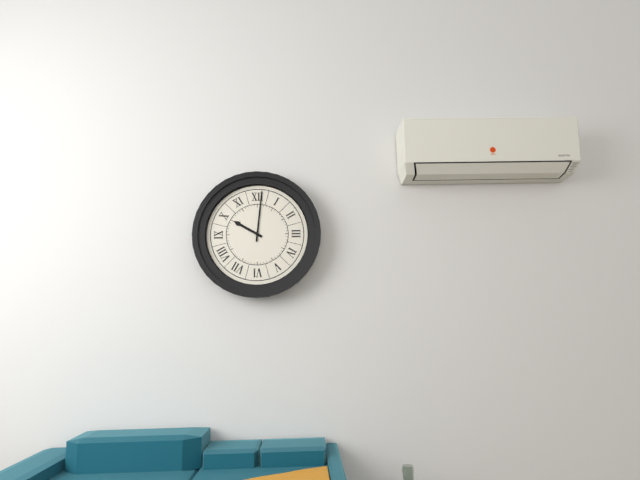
10:01
